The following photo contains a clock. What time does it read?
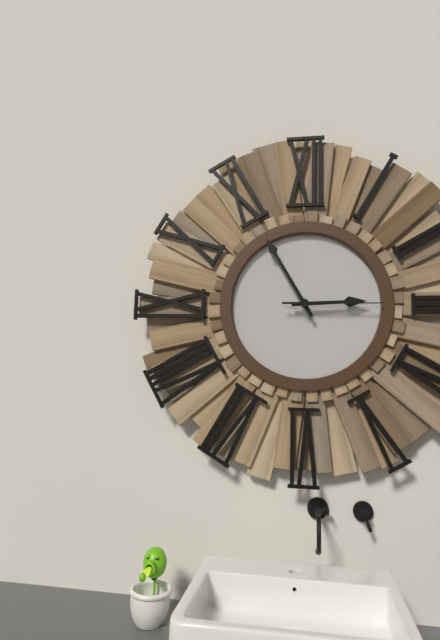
2:55:15
